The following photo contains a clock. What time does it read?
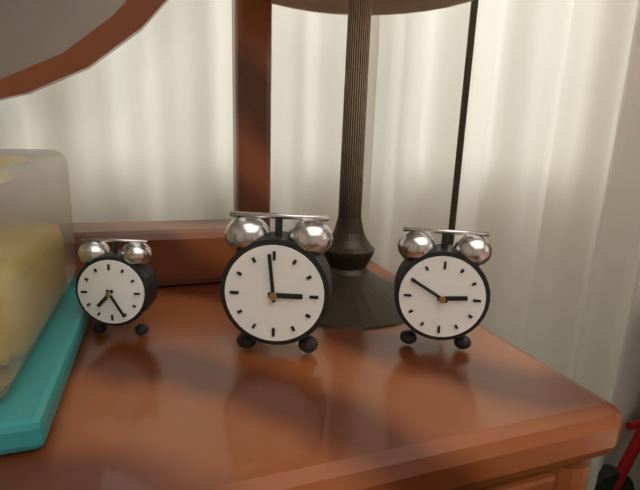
2:59
